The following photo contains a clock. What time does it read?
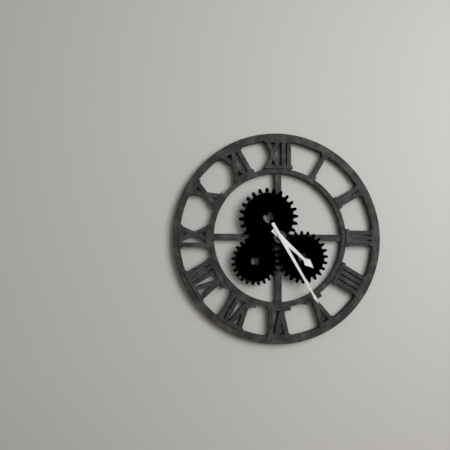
4:25
